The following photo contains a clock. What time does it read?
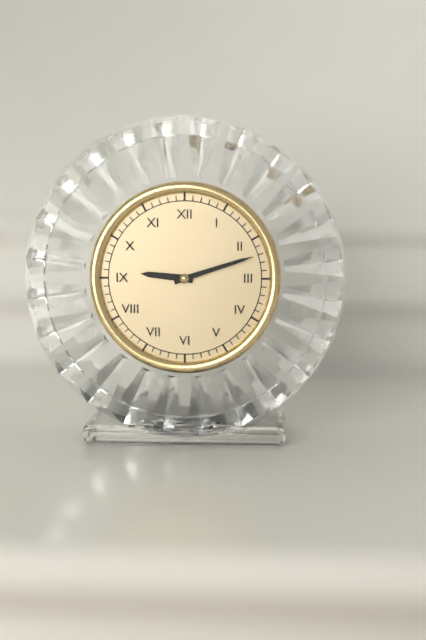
9:12
